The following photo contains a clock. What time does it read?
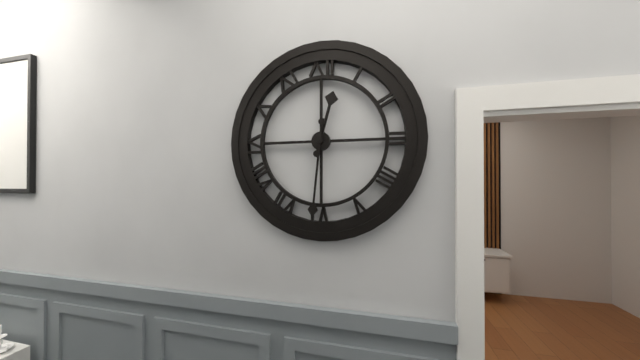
12:31
